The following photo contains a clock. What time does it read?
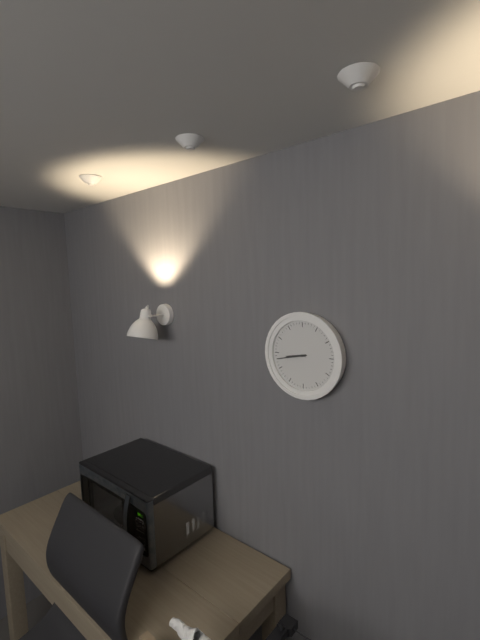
8:43
